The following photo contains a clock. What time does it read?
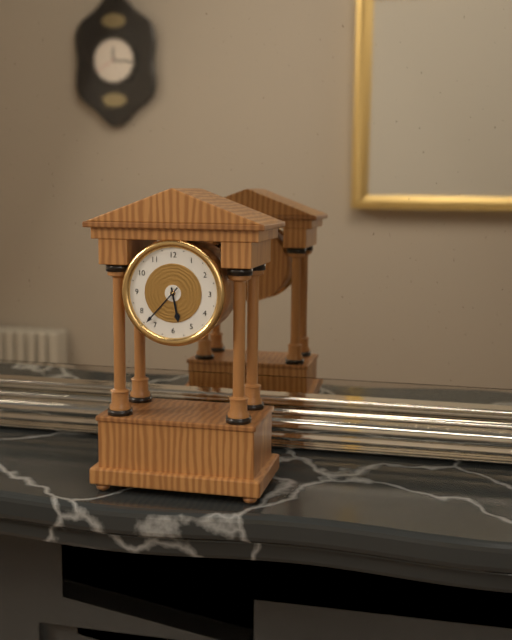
5:37
